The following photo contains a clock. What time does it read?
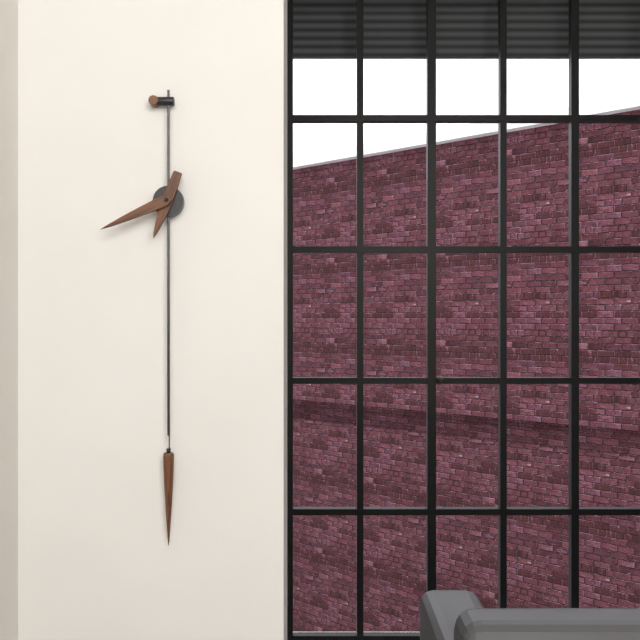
6:41
